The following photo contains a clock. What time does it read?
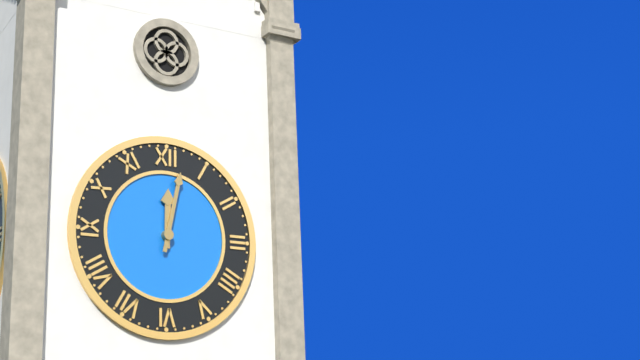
12:02
